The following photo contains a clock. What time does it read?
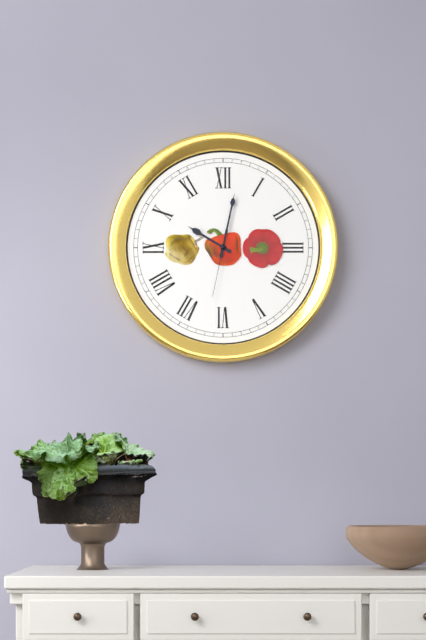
10:02:32
